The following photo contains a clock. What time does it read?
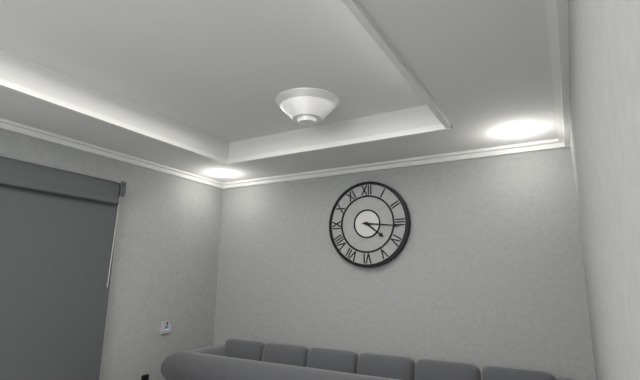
4:16
